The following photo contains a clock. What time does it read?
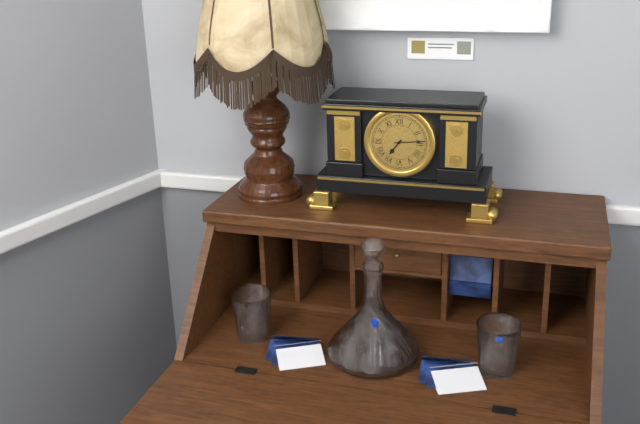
7:14
